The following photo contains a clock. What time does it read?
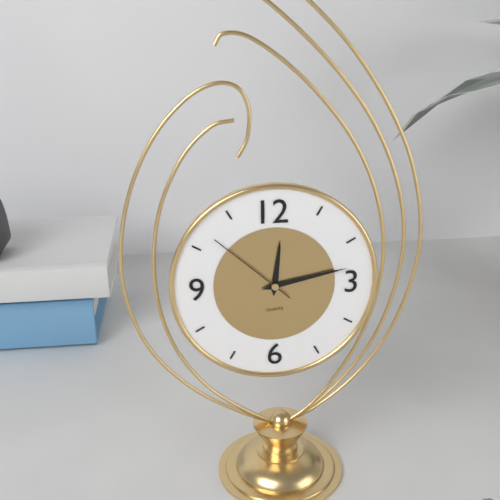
12:13:52
